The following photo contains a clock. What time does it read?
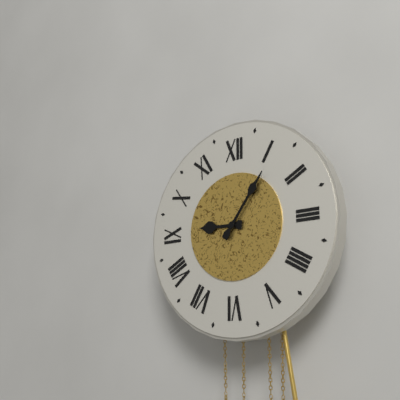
9:06
